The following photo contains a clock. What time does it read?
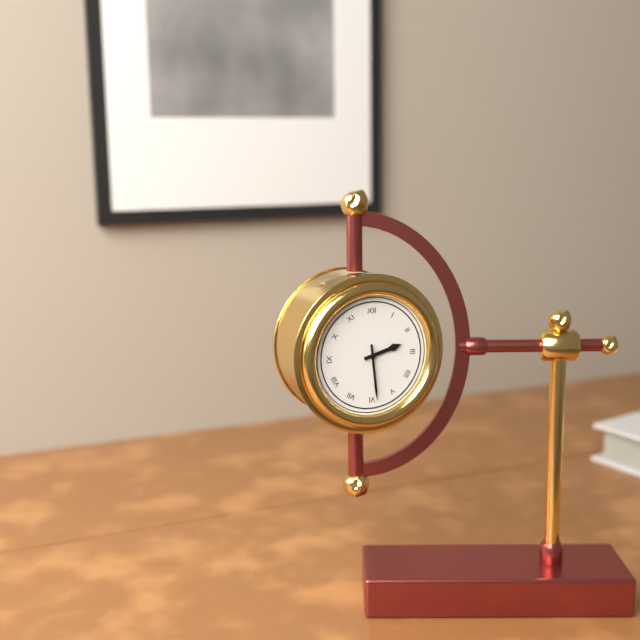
2:29
